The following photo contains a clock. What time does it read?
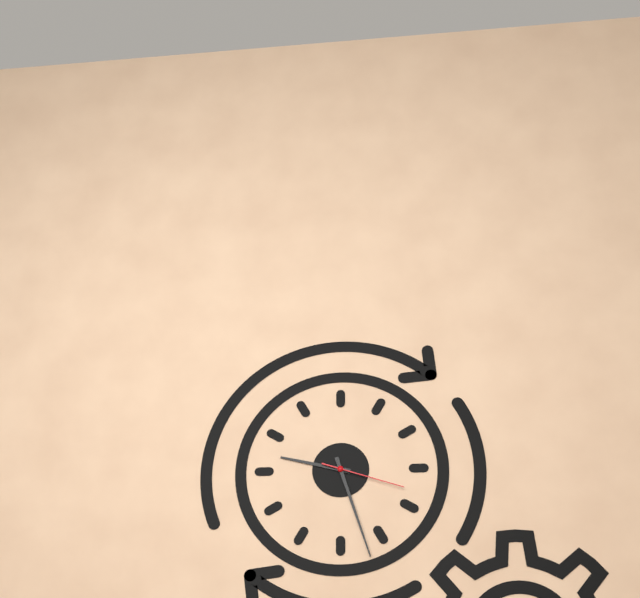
9:27:18
